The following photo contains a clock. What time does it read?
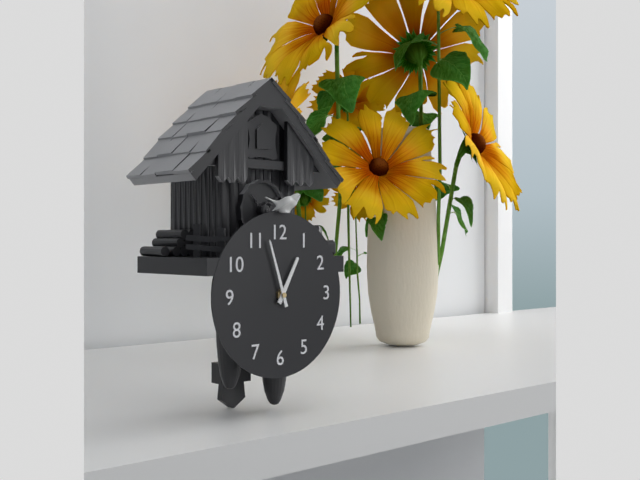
12:57
